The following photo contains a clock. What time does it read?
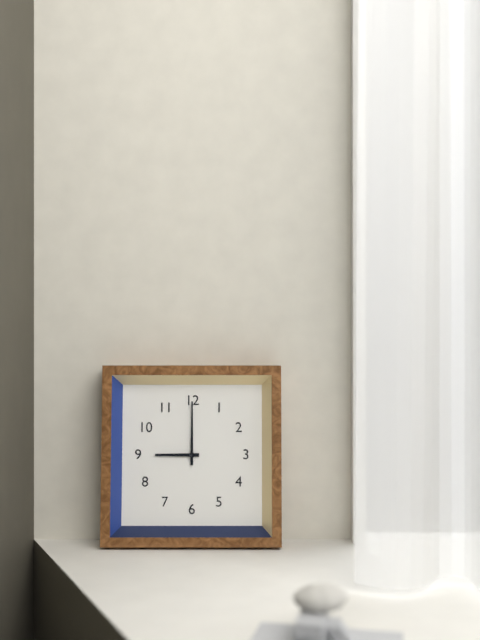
9:00
